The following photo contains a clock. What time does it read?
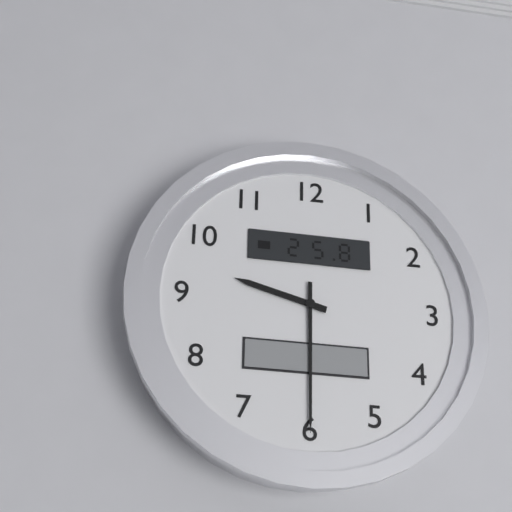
9:30
